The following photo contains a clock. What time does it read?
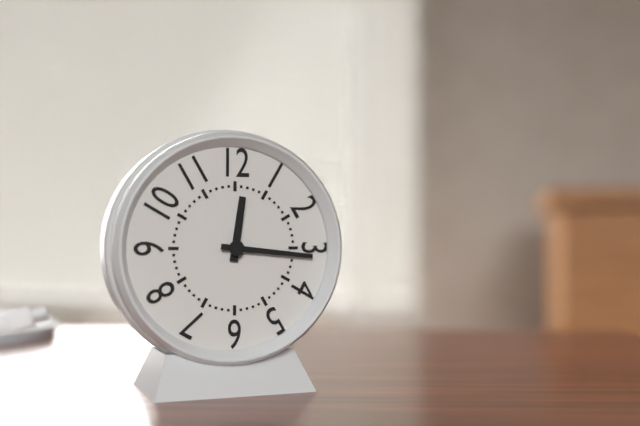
12:16
